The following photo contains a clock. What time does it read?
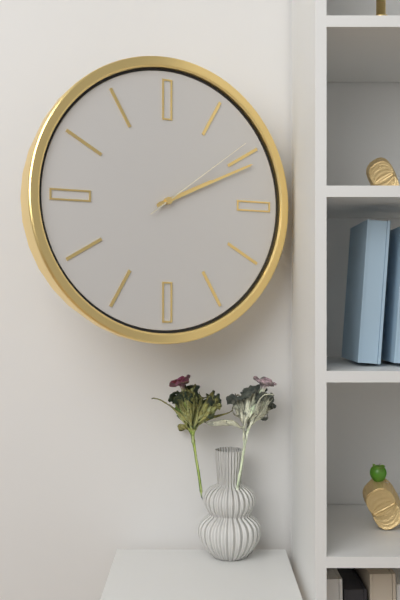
2:11:09
